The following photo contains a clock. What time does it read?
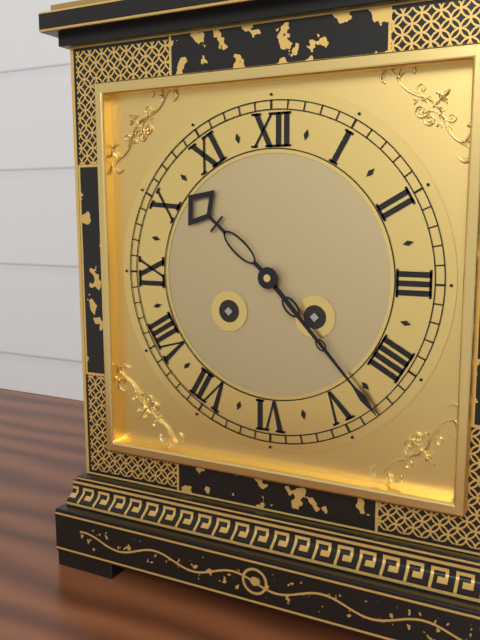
10:23
